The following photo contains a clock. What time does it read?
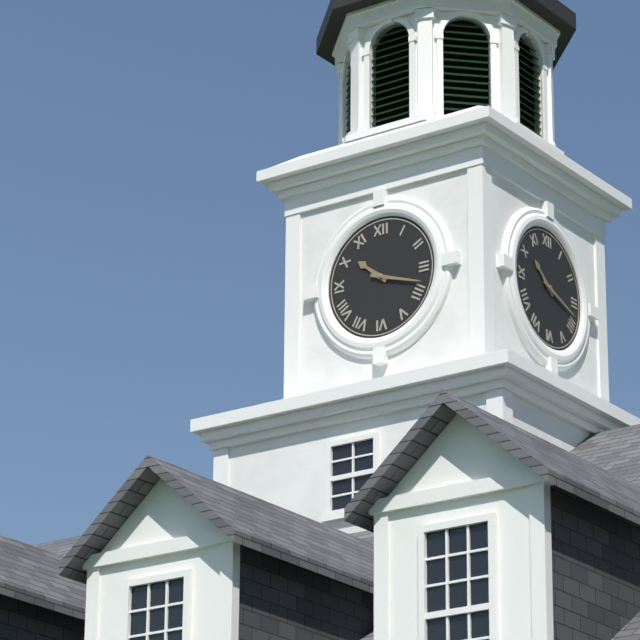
10:18
